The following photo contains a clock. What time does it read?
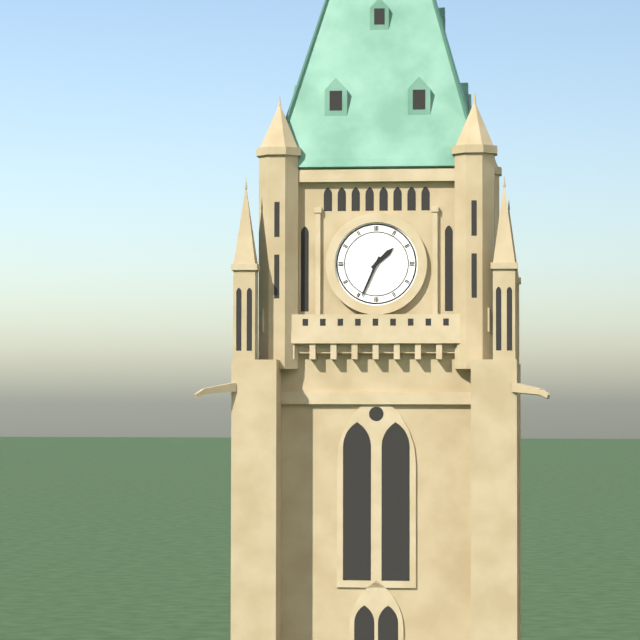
1:34
